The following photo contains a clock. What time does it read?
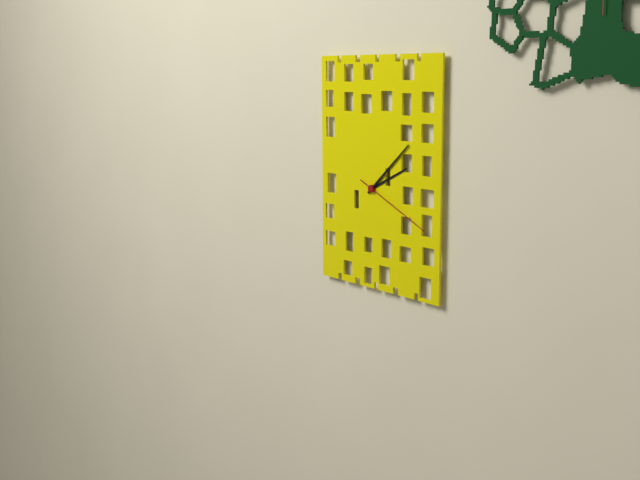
2:08:19
